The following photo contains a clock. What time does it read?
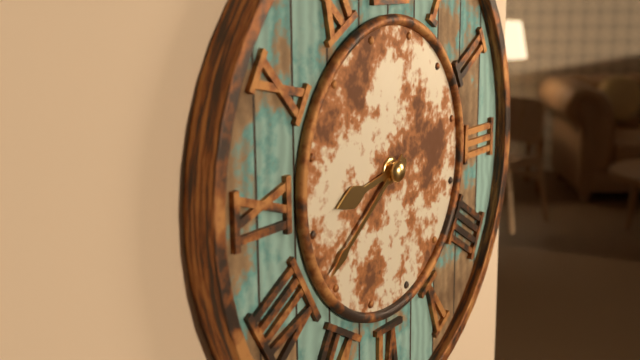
8:39
